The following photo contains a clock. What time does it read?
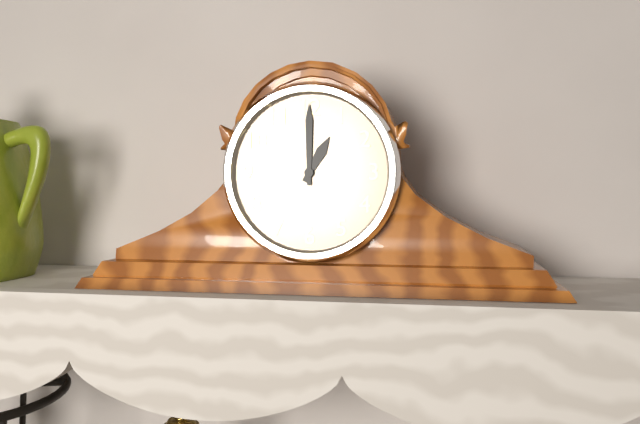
1:00
